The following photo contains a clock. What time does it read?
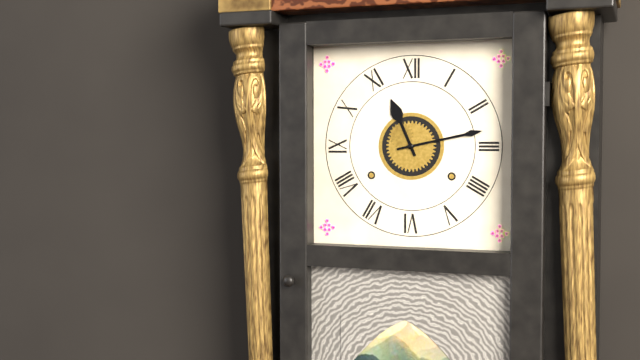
11:13
